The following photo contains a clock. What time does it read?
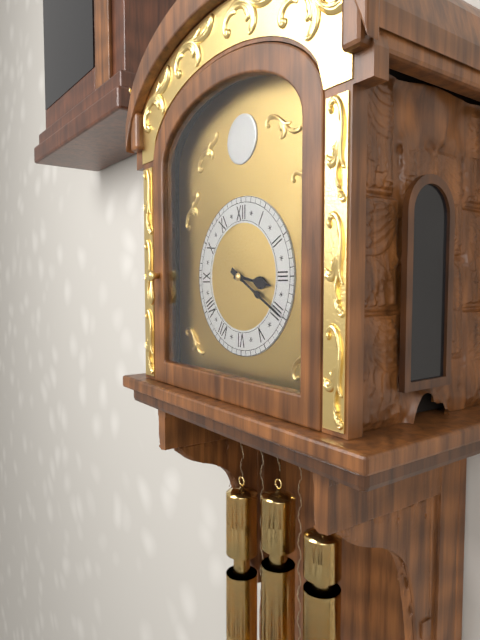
3:20
